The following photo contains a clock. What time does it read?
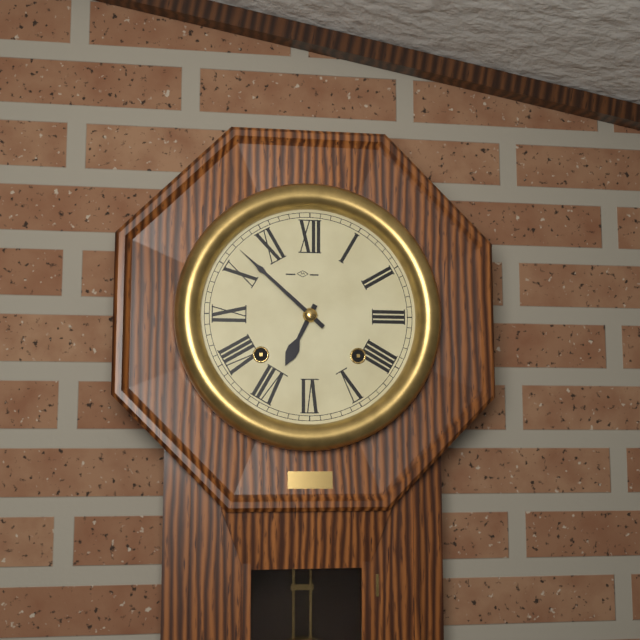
6:52
